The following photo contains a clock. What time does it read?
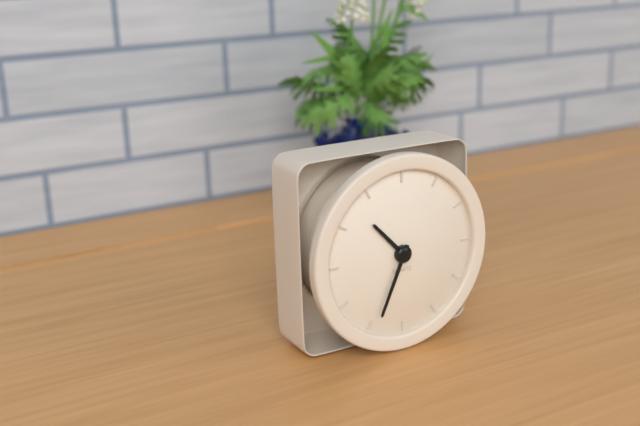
10:34
